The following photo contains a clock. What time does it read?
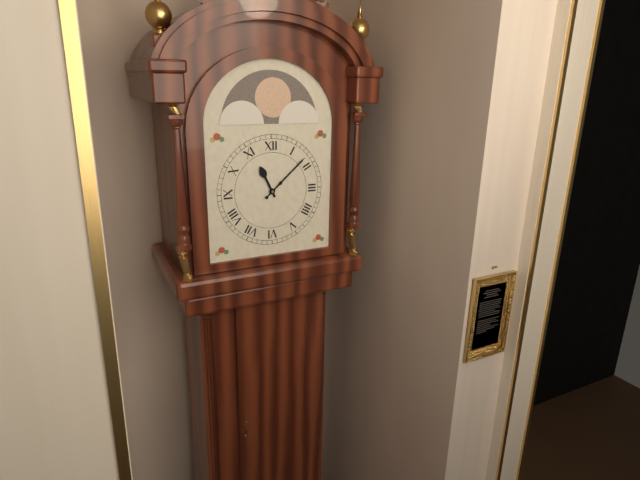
11:08
